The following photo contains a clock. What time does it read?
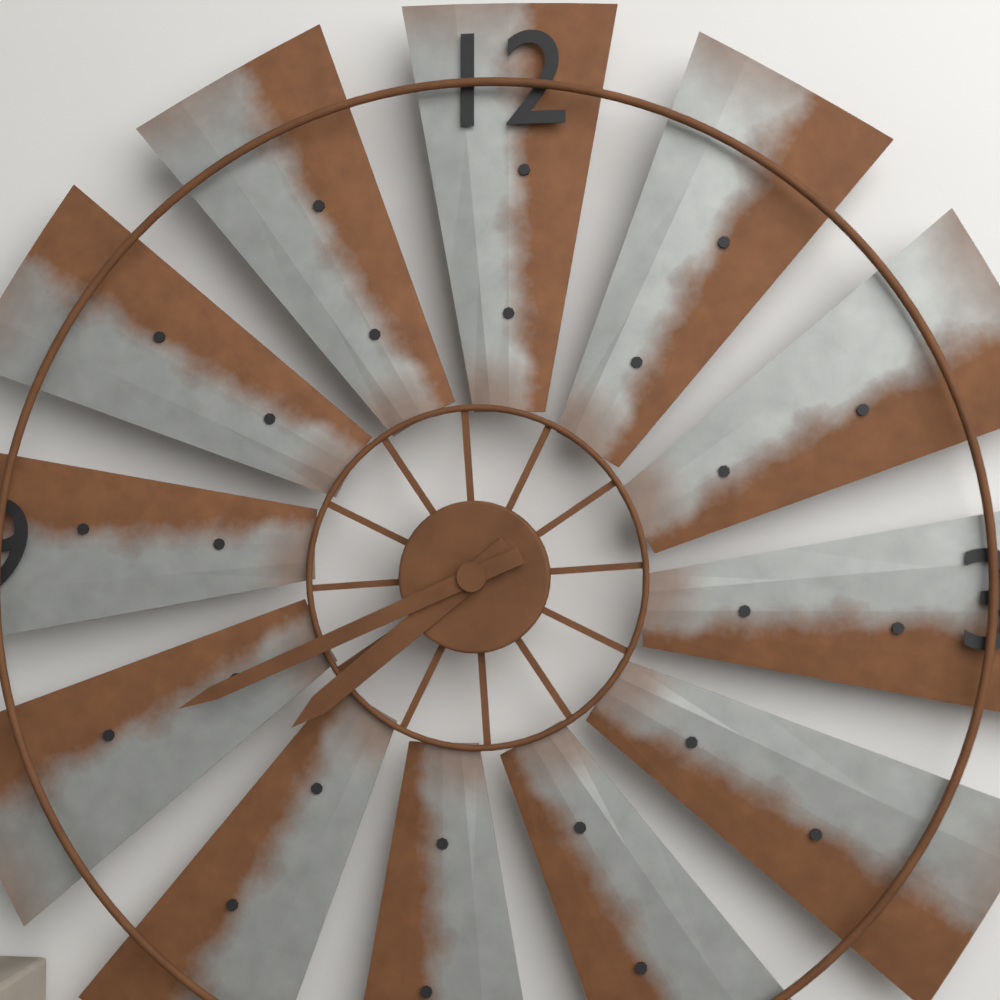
7:41
